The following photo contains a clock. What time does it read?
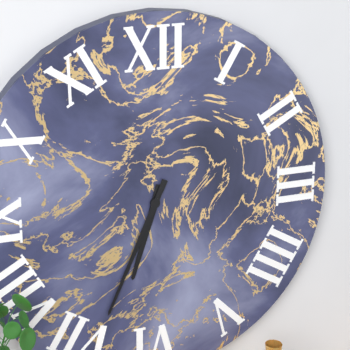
6:34
